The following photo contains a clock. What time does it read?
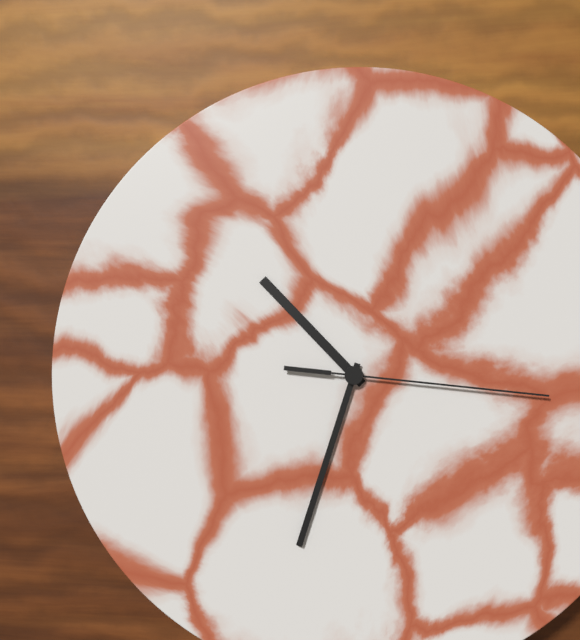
10:33:16
